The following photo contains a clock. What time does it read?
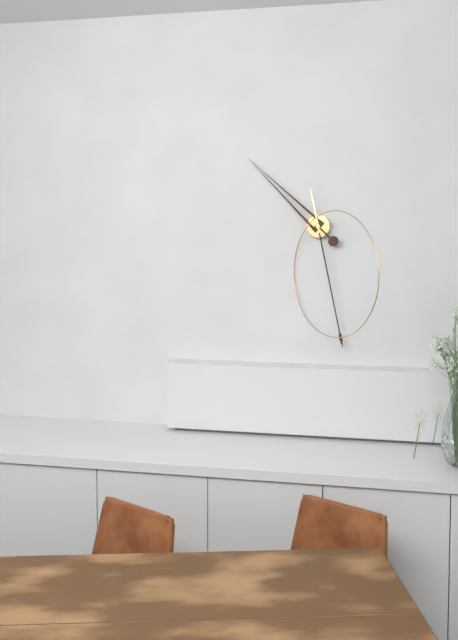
10:28
